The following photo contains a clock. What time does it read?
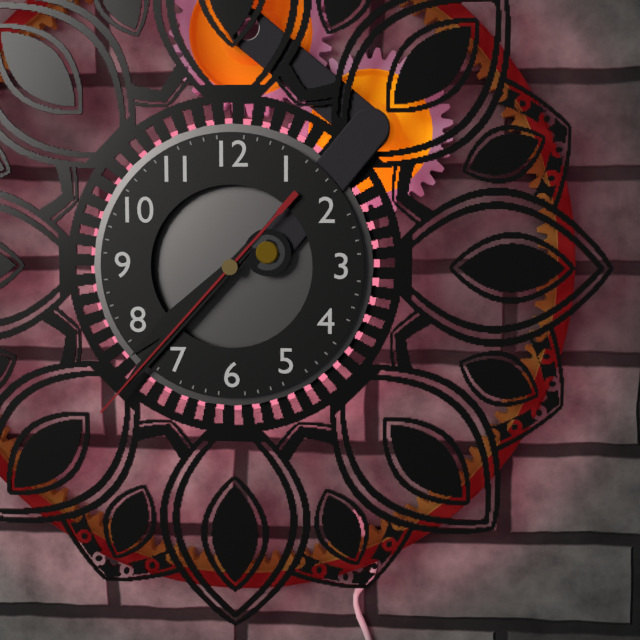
7:37:37
